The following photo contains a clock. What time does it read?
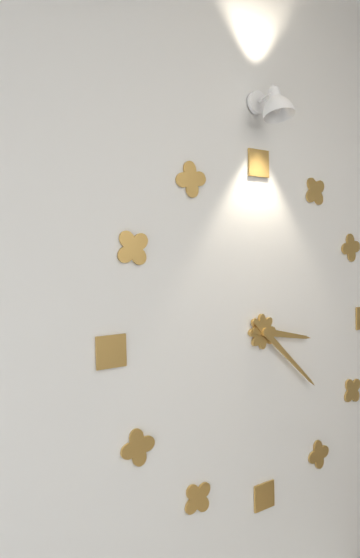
3:22
